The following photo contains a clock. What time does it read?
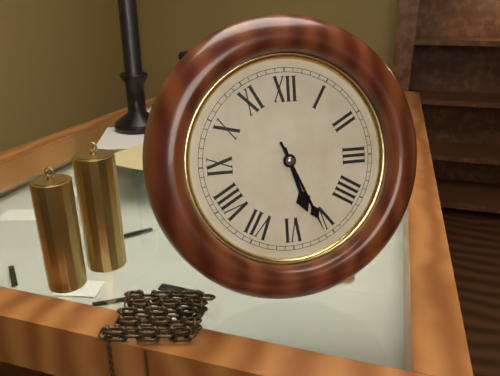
5:26
